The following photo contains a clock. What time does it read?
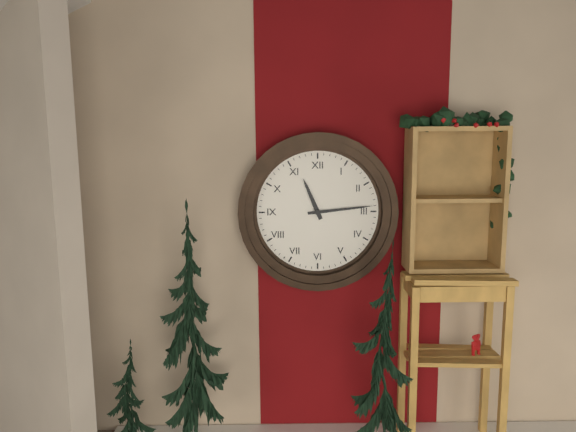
11:14
